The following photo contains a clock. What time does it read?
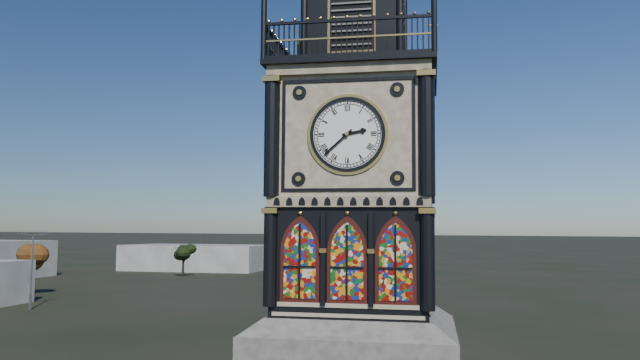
2:38
